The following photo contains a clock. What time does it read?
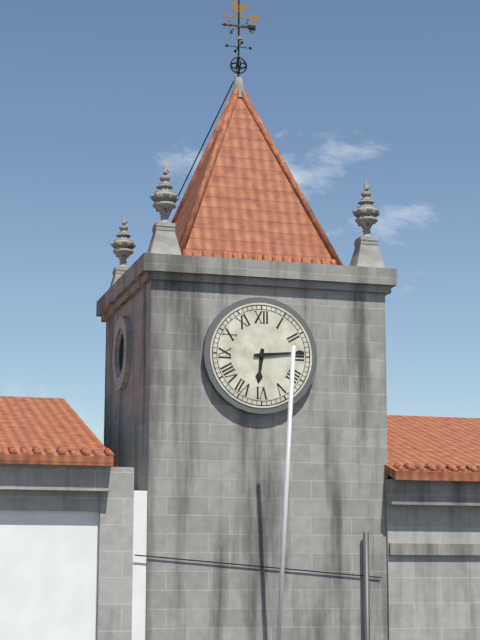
6:14
